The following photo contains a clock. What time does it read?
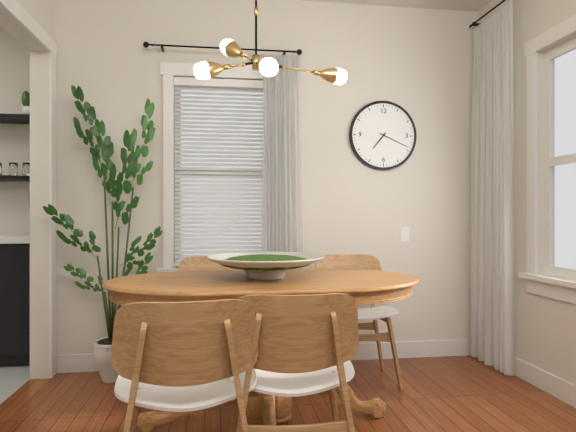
7:19
